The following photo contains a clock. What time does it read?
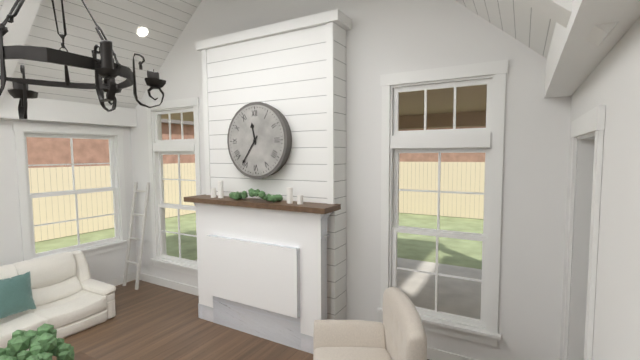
11:36
